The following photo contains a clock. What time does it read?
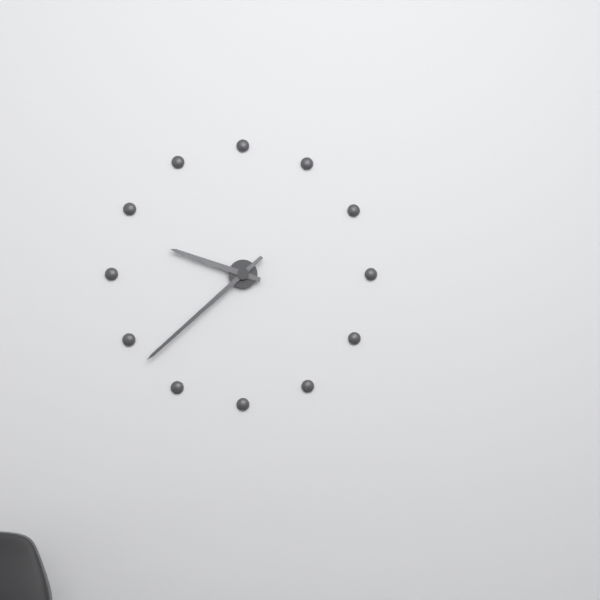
9:38
